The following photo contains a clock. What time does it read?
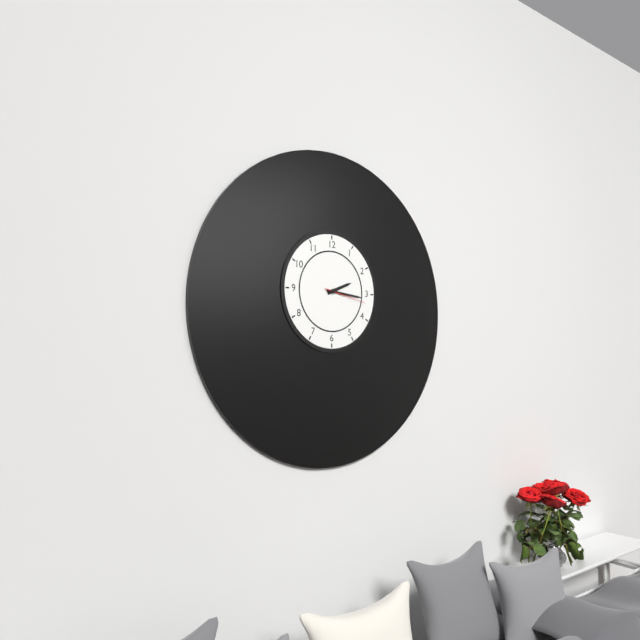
2:16
